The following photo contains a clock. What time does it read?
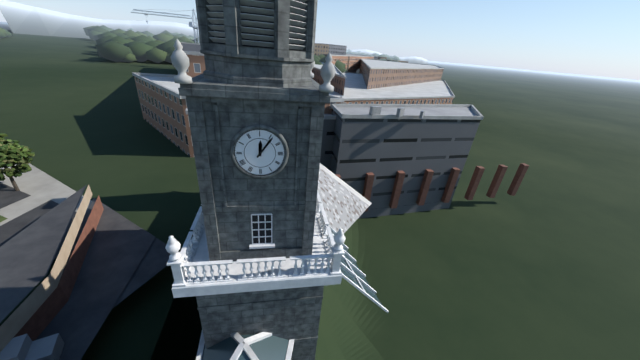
12:06
